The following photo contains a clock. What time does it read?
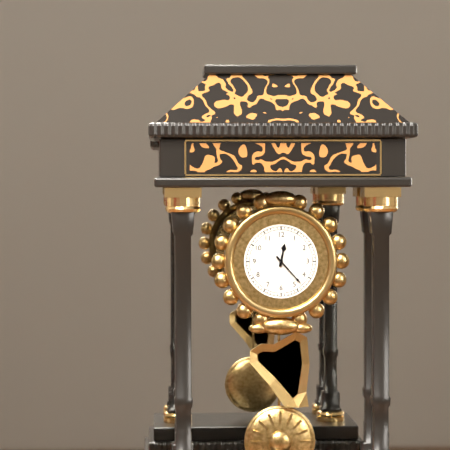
12:23
